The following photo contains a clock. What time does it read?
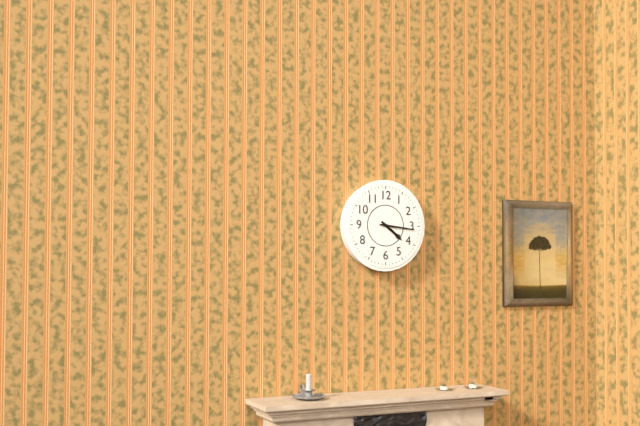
4:16
